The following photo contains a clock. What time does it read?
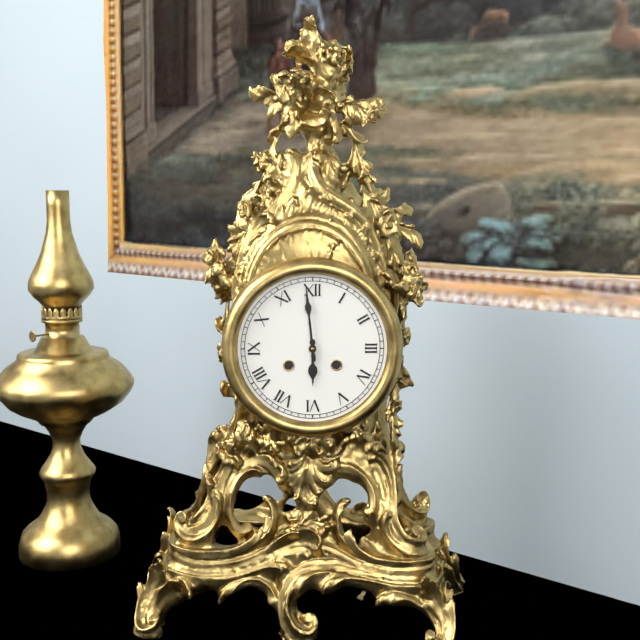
5:59
